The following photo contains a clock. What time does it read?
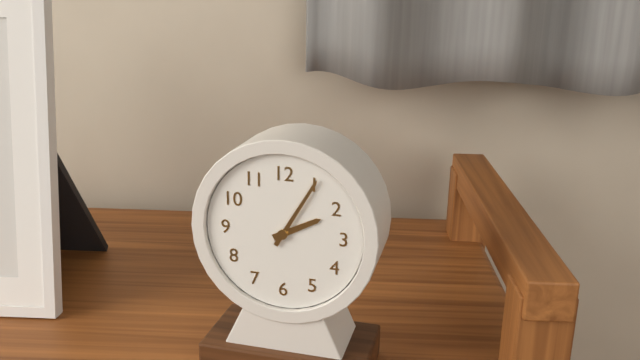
2:05
